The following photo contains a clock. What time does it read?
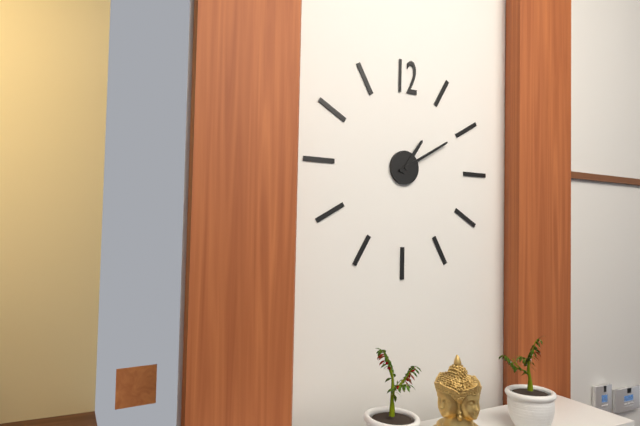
1:10
